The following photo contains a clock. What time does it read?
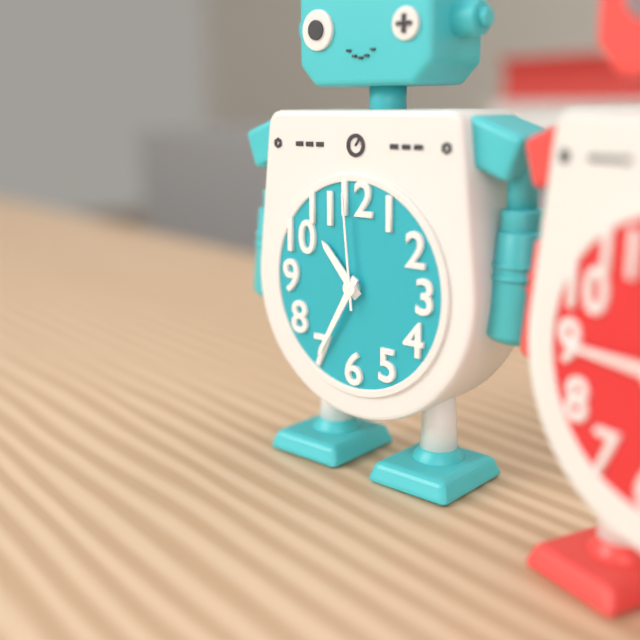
10:35:59
